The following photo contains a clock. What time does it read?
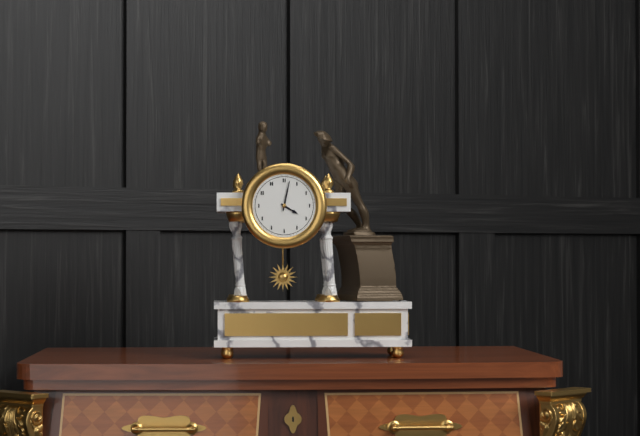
4:02
